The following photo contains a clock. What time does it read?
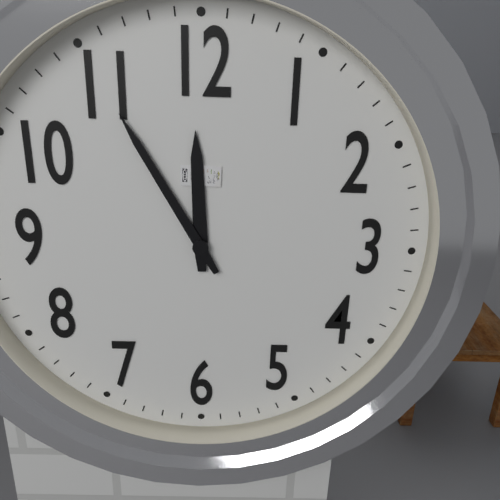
11:55
